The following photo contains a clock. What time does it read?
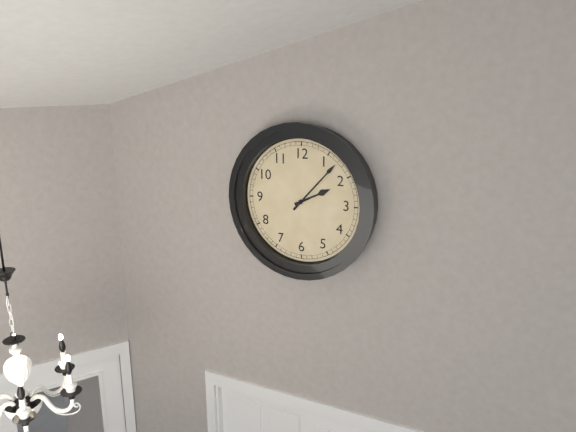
2:07
